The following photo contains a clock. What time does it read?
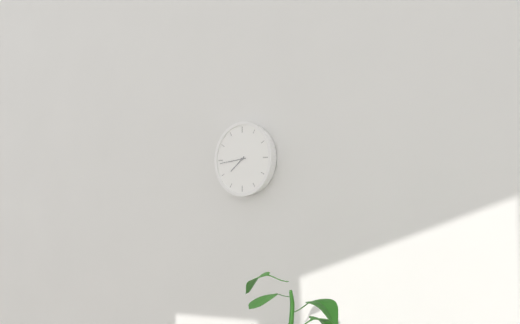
7:44
